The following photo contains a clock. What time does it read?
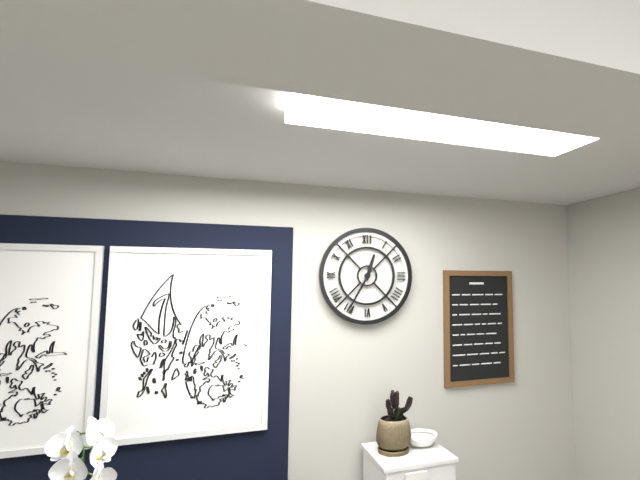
12:35
